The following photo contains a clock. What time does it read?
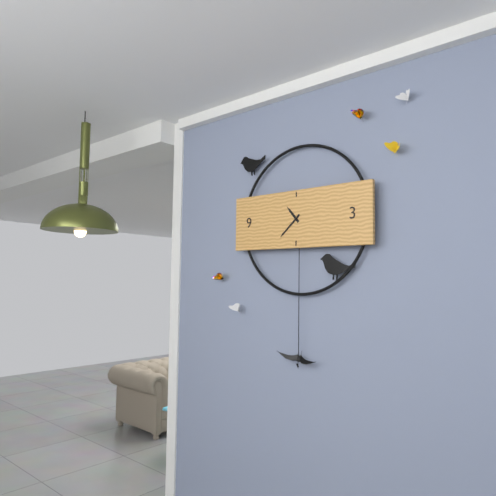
10:38
